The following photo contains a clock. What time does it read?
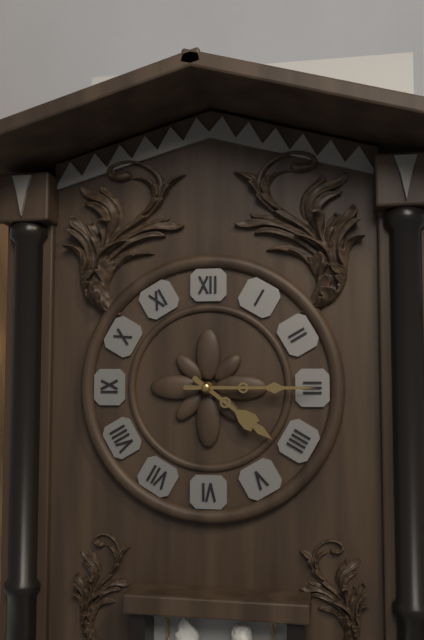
4:15
